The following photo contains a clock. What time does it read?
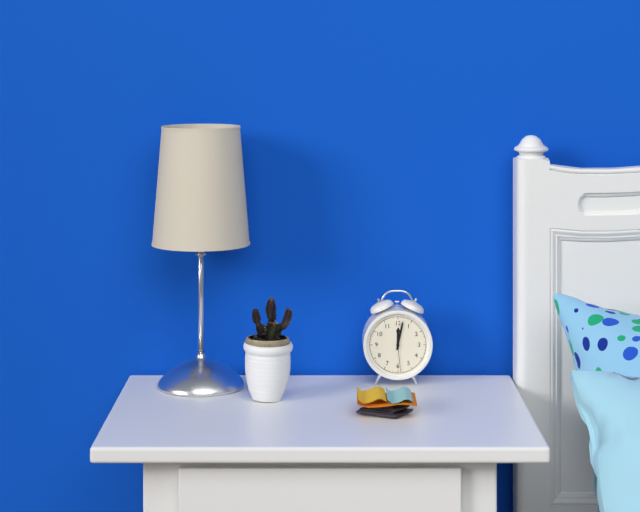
12:02
